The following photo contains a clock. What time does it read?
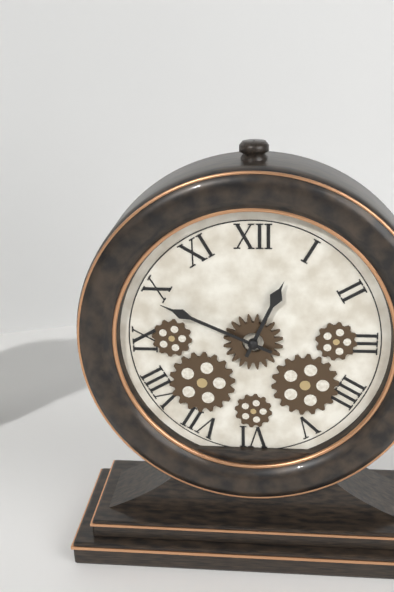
12:49
